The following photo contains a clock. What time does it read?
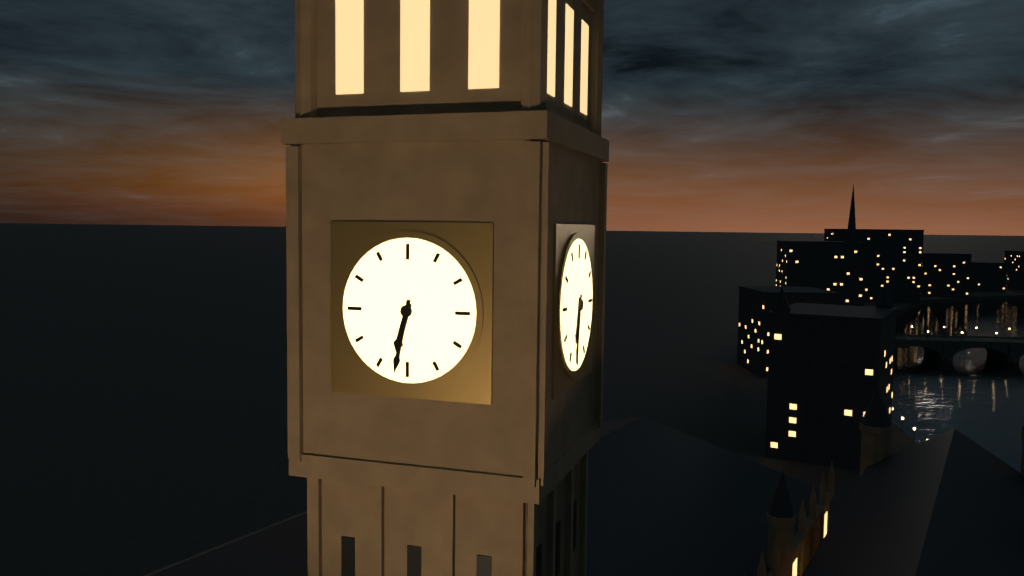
6:32
